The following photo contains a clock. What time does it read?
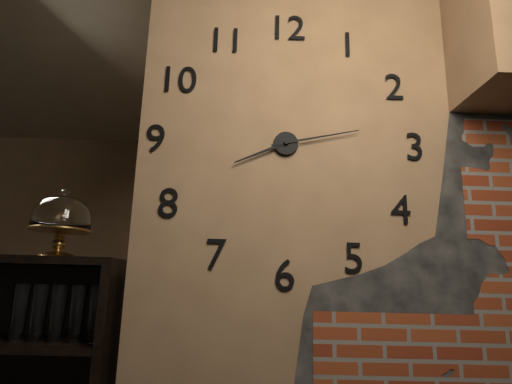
8:13
